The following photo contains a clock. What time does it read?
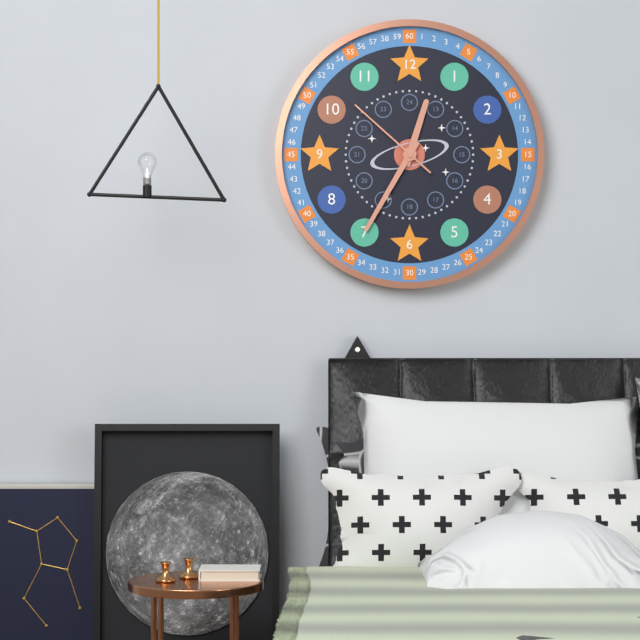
12:35:52
